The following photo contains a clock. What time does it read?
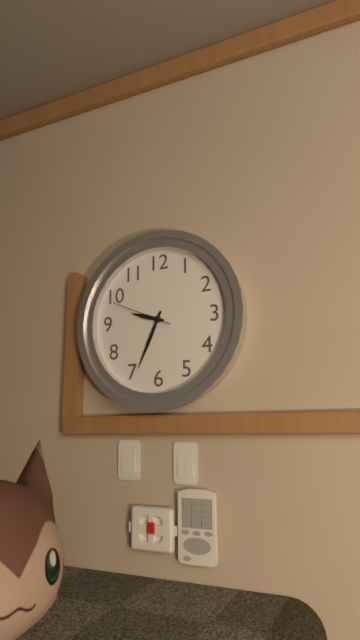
9:34:49
